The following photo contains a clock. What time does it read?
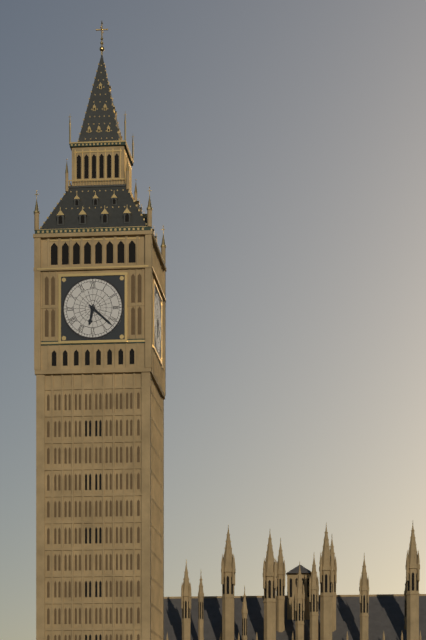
6:22
